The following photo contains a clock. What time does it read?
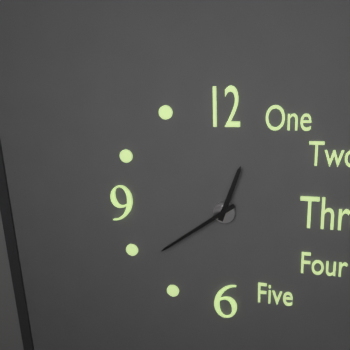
12:39
